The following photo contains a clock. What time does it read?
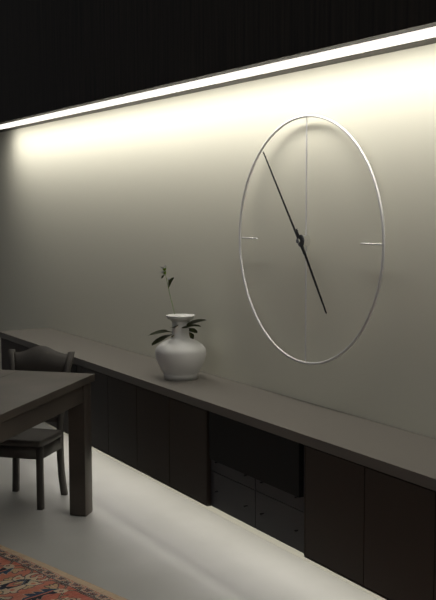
4:54
